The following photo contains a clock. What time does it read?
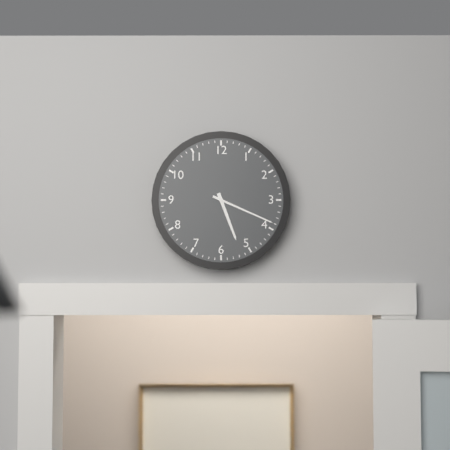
5:19
